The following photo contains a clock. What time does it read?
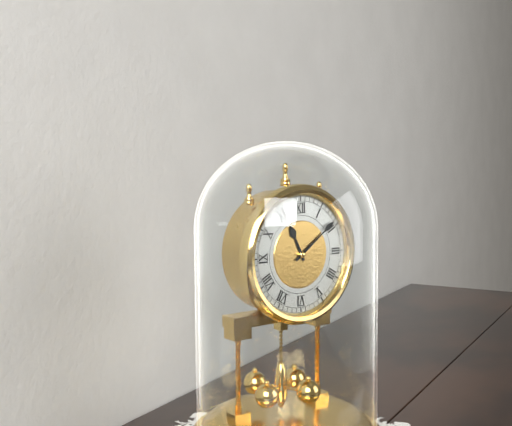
11:09
